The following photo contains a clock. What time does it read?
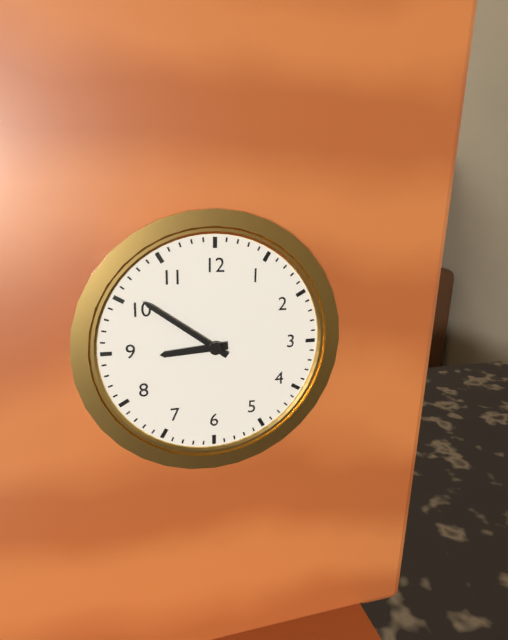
8:51
